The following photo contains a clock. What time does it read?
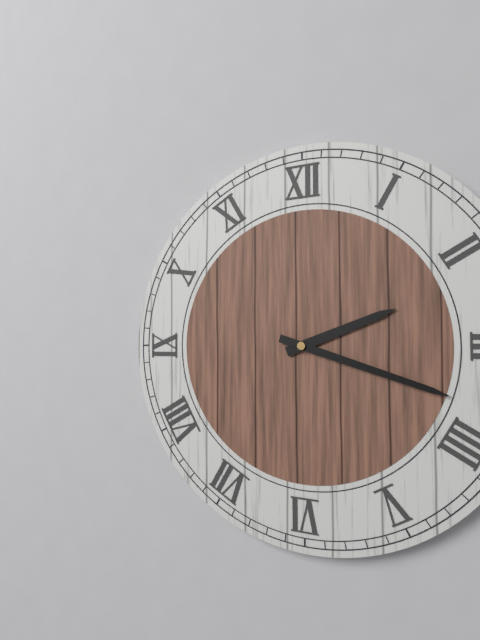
2:18
